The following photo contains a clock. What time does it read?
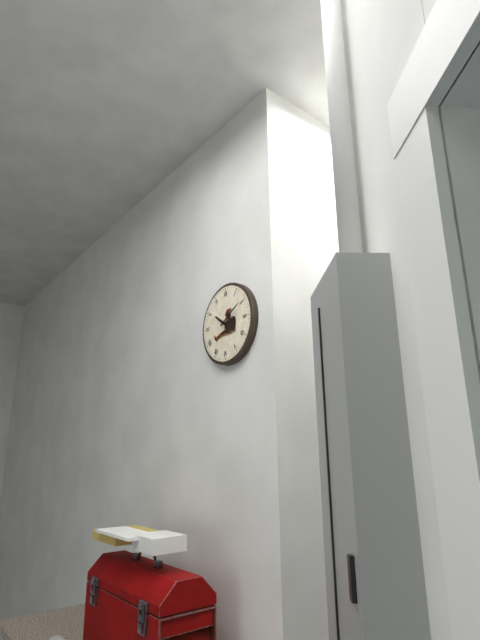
10:10
